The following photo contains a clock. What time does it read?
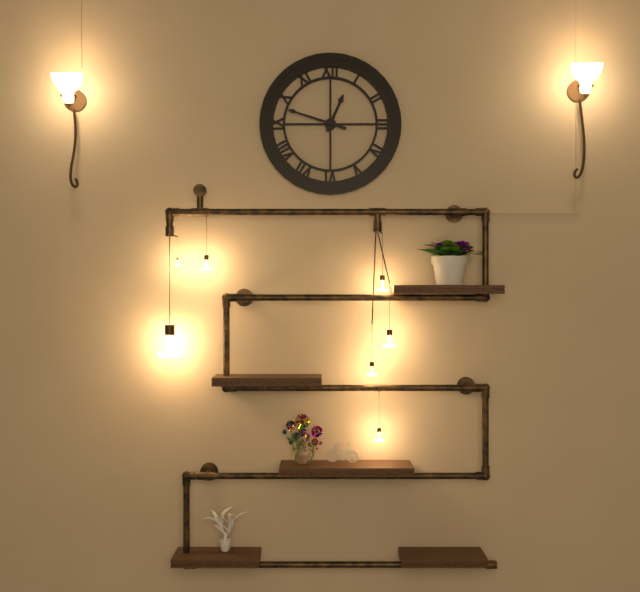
12:48
